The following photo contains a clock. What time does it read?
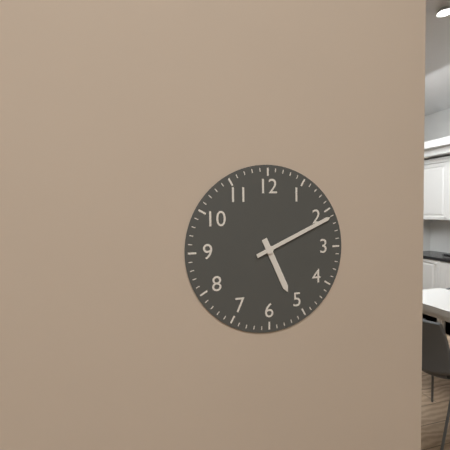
5:11
